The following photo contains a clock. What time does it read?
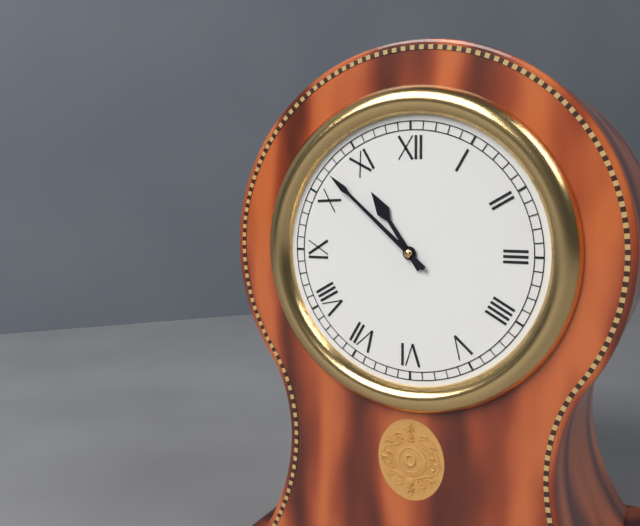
10:52
